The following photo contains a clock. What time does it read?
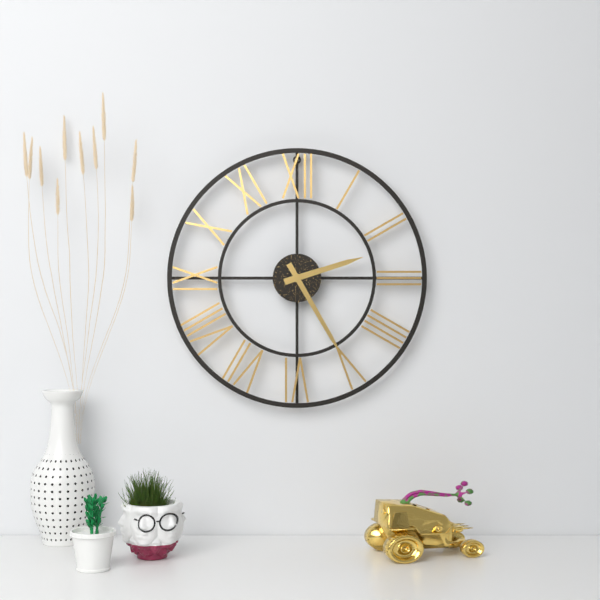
2:25
